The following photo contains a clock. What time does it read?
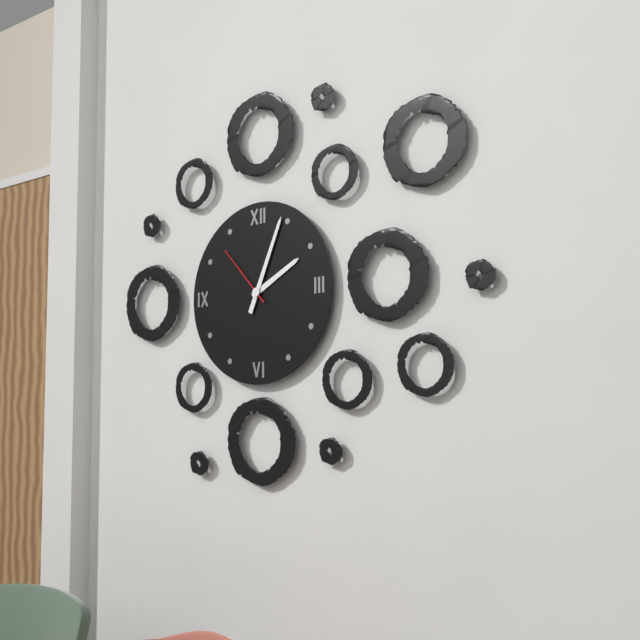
2:04:53
